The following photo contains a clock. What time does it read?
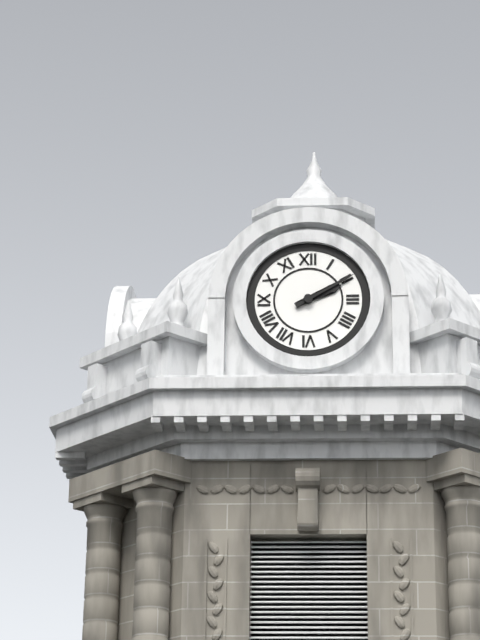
2:10
